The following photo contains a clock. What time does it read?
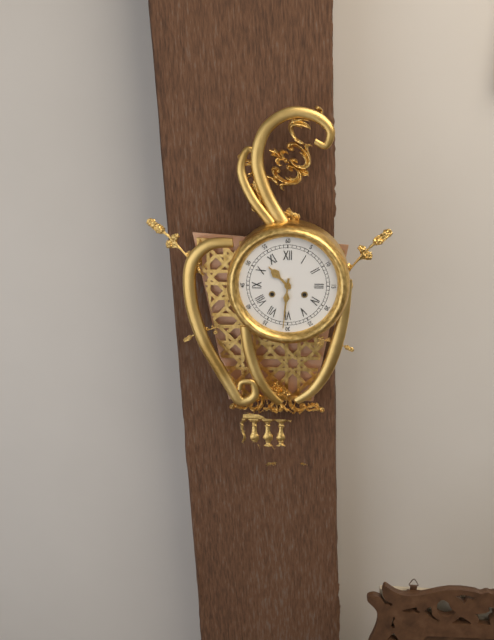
10:31
